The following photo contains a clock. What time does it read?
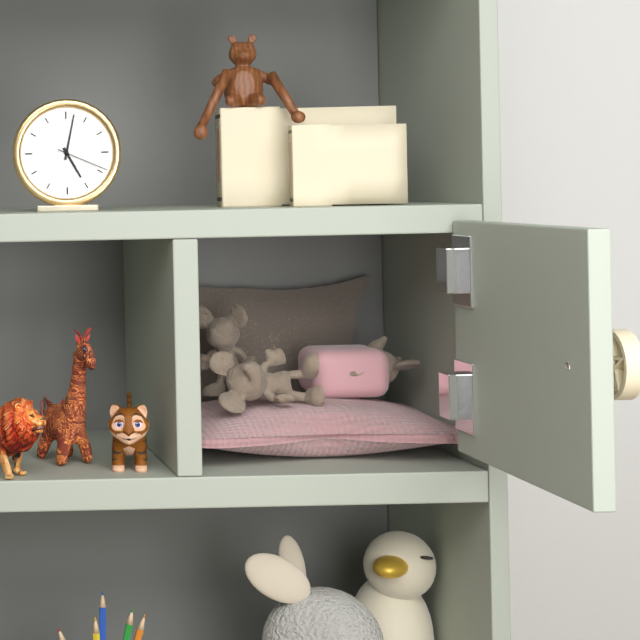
5:02:19
